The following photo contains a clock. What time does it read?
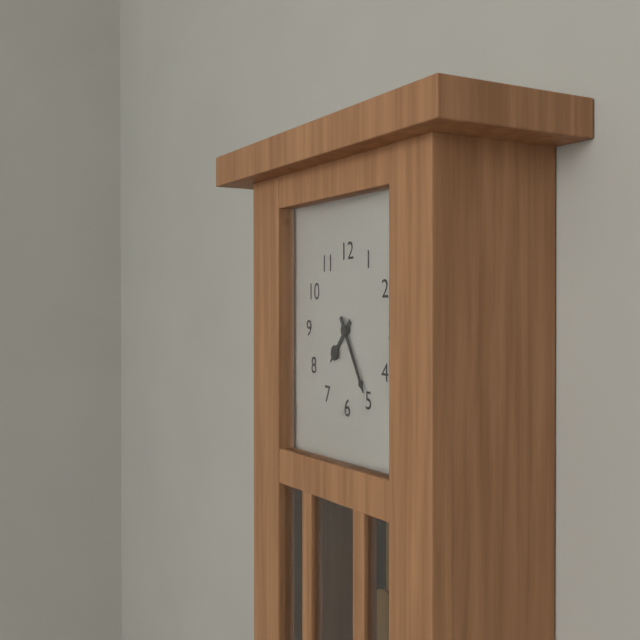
7:25
